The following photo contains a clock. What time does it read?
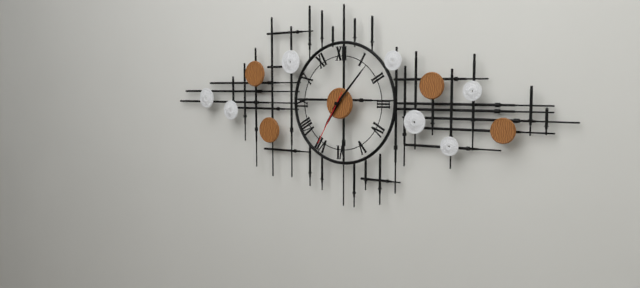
7:07:35
